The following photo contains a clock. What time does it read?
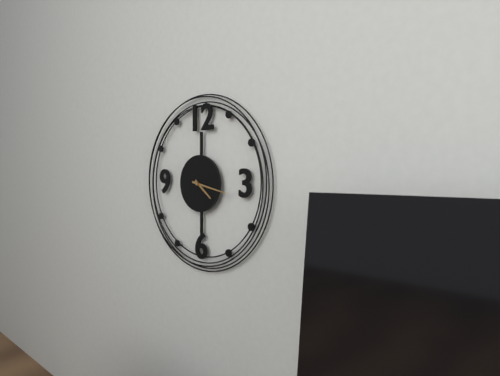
4:17
